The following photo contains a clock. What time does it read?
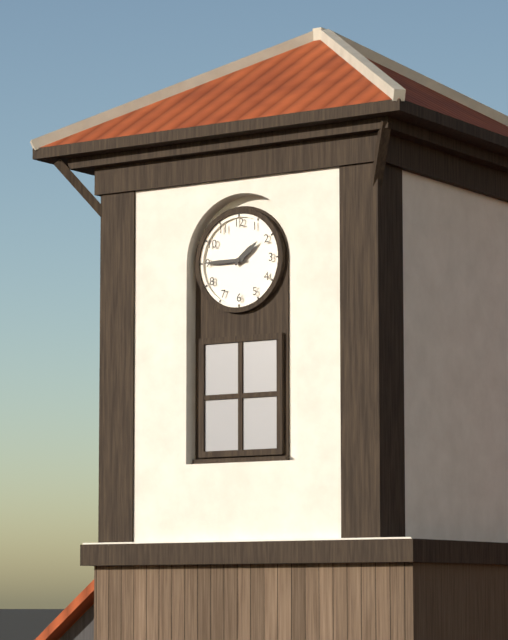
1:45
